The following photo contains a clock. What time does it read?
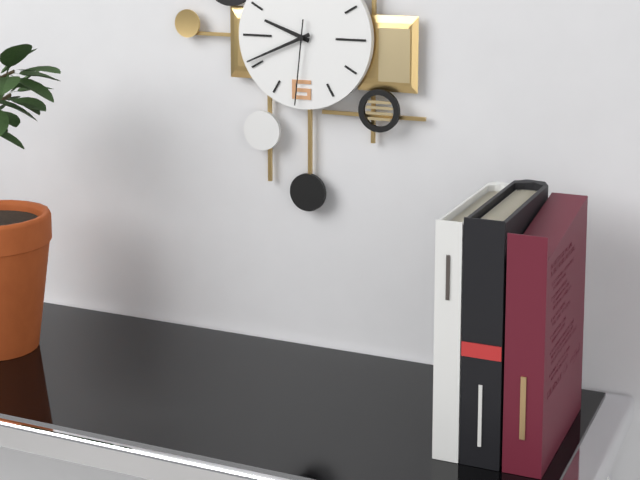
9:41:31
